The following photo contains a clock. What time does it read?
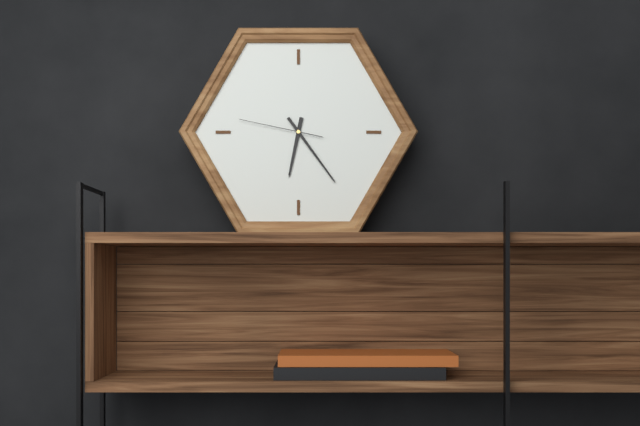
6:24:47
